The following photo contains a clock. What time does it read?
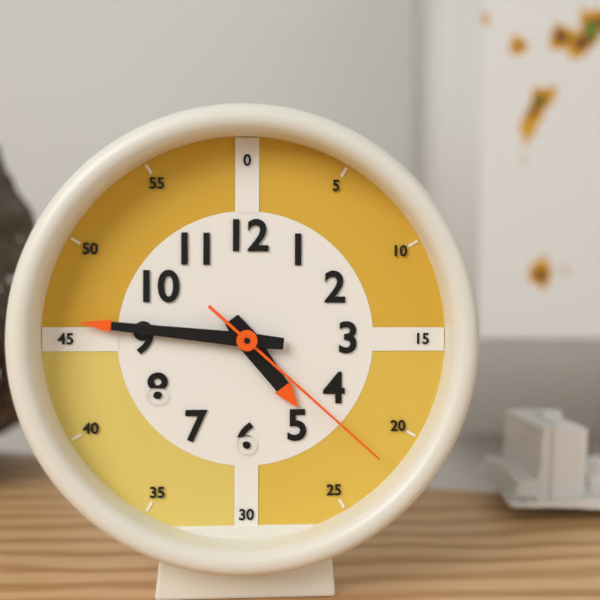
4:46:22
